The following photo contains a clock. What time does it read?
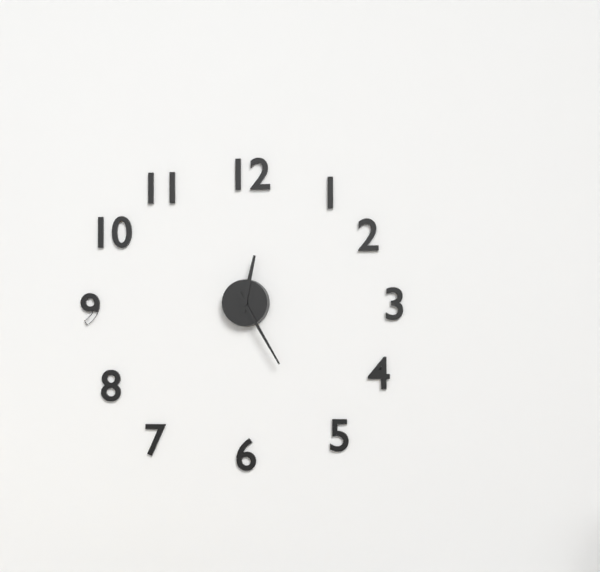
12:25
